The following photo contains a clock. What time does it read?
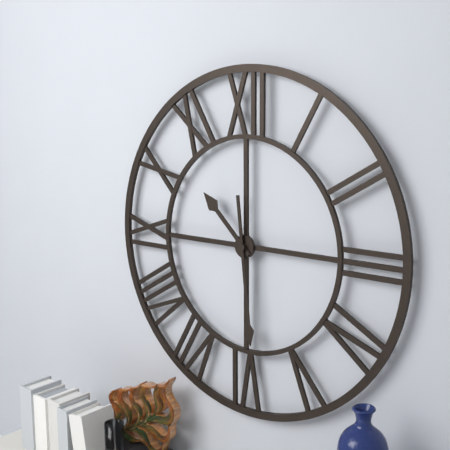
10:29
